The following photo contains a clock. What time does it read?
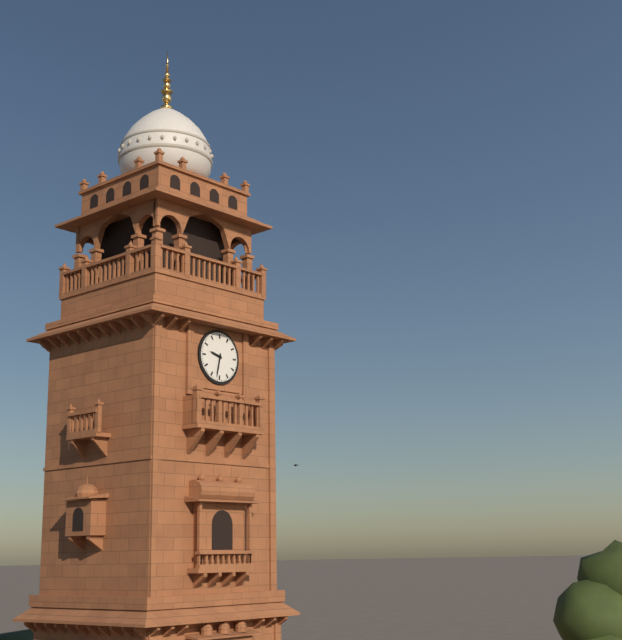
9:32
